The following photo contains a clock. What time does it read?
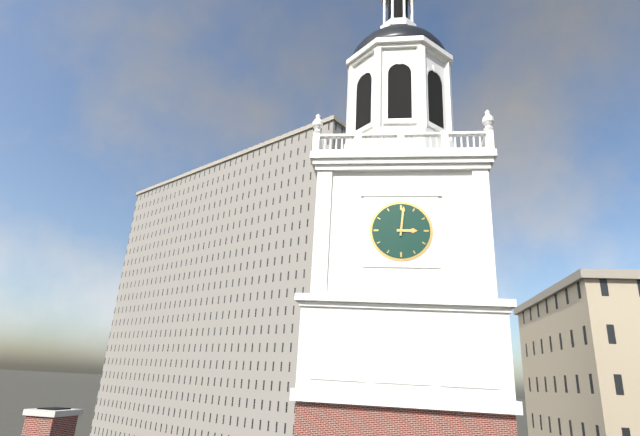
3:01
